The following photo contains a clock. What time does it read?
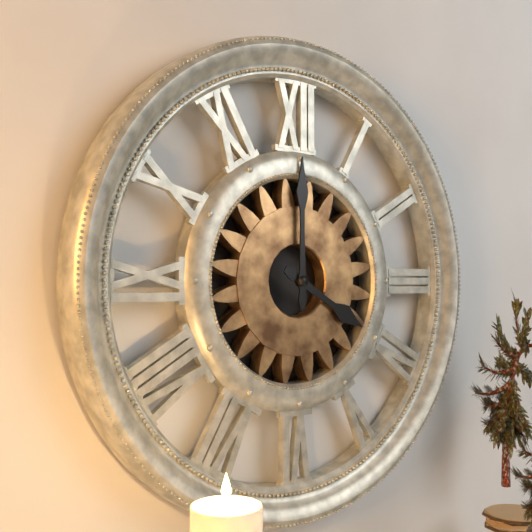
4:00
